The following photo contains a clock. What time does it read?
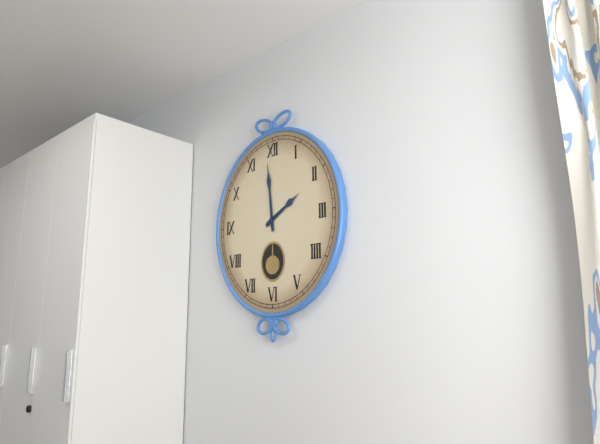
1:59
